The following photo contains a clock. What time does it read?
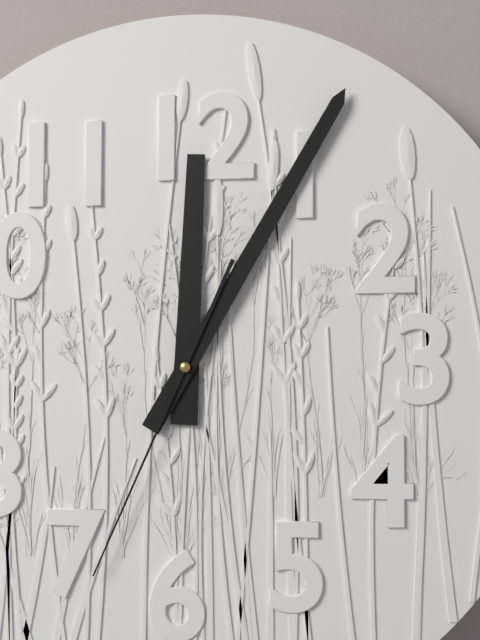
12:05:34
